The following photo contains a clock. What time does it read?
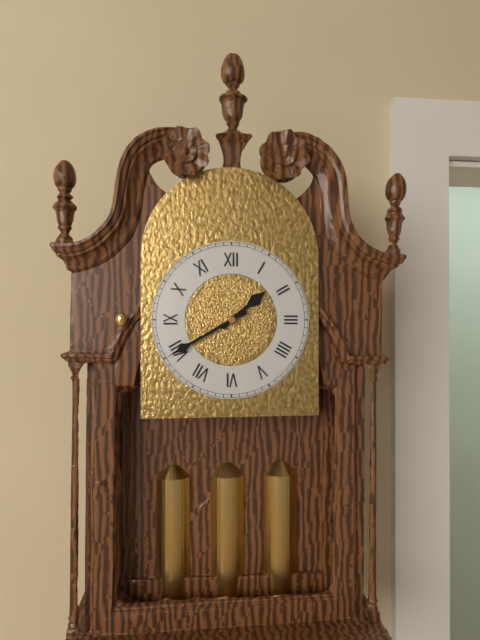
1:40
